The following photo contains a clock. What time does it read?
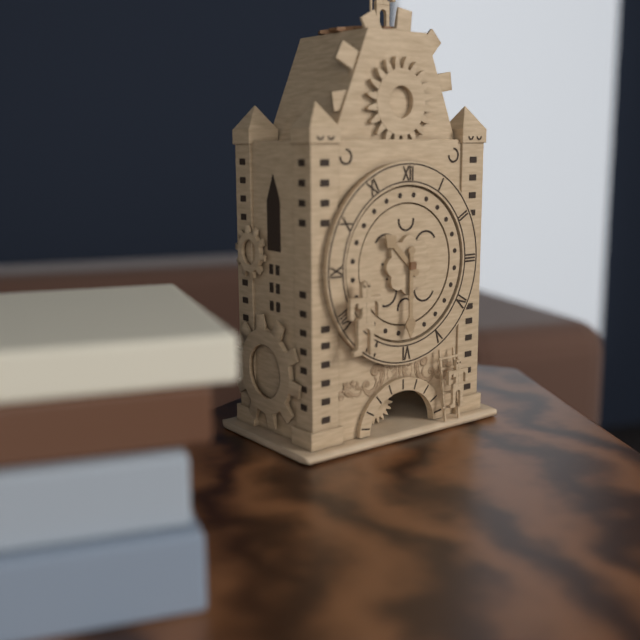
10:30
